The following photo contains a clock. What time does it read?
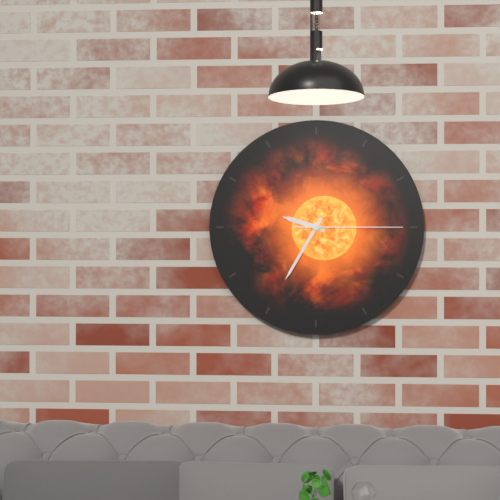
9:35:15
